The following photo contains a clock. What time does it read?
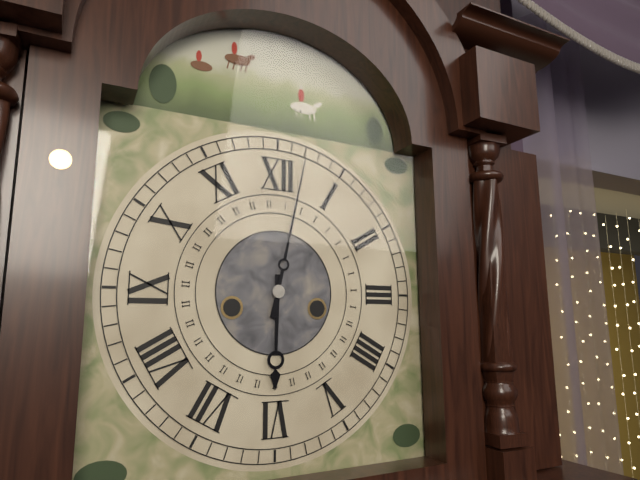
6:02
